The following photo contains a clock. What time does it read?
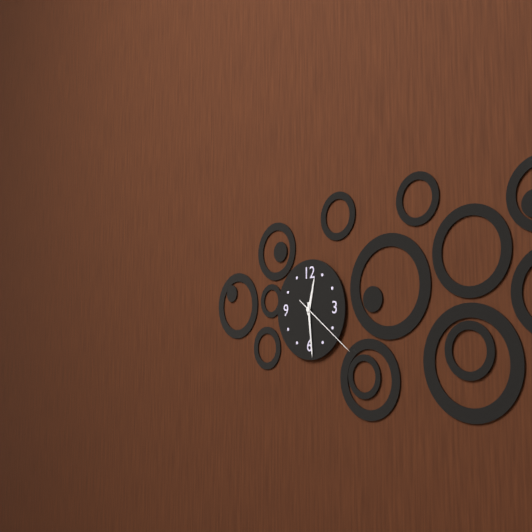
12:29:21
